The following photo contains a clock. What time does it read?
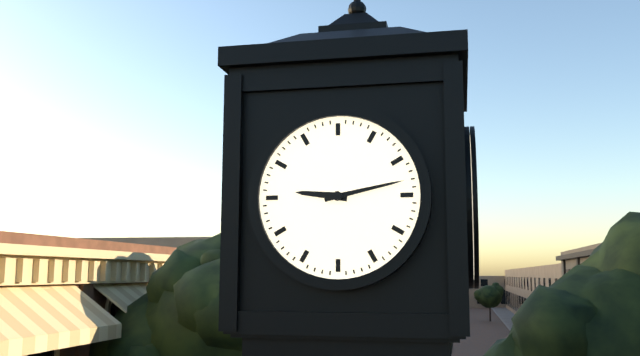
9:13
